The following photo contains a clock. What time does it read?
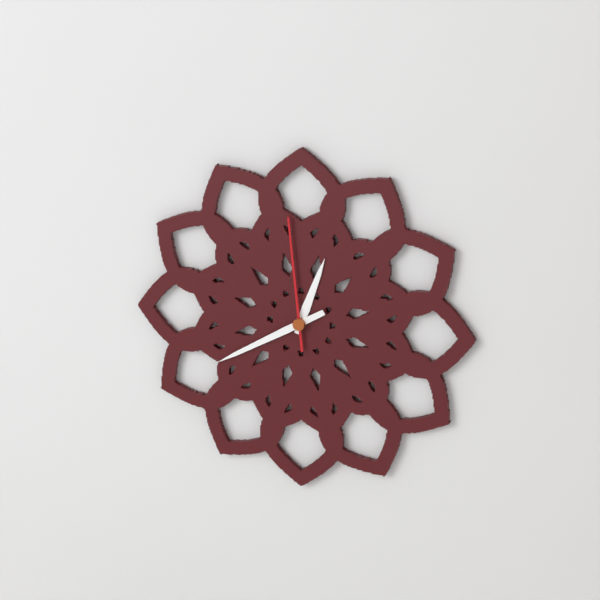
12:40:59
